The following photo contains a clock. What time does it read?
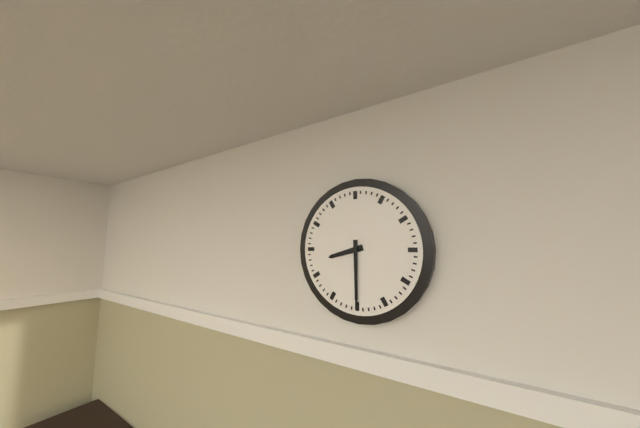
8:30
